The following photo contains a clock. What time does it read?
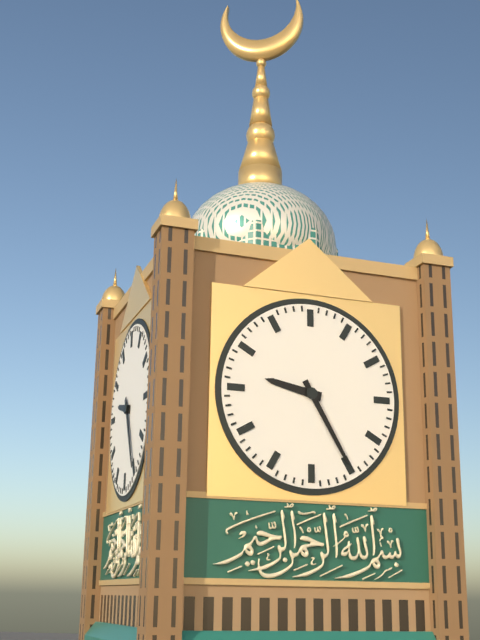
9:25
